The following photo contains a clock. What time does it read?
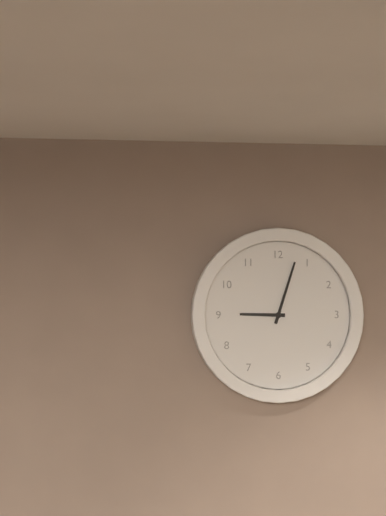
9:03
